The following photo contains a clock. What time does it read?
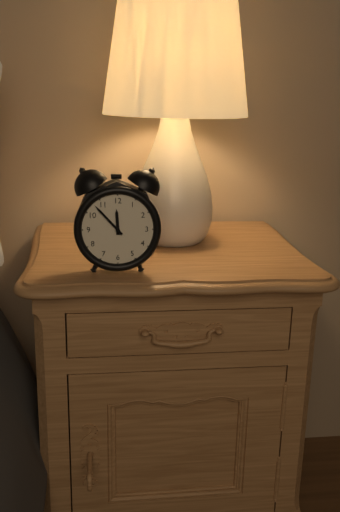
11:53
